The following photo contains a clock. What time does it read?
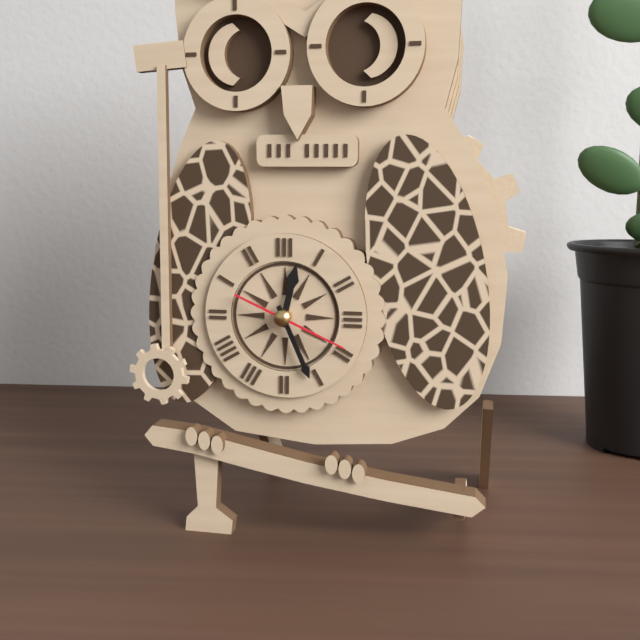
12:26:19
